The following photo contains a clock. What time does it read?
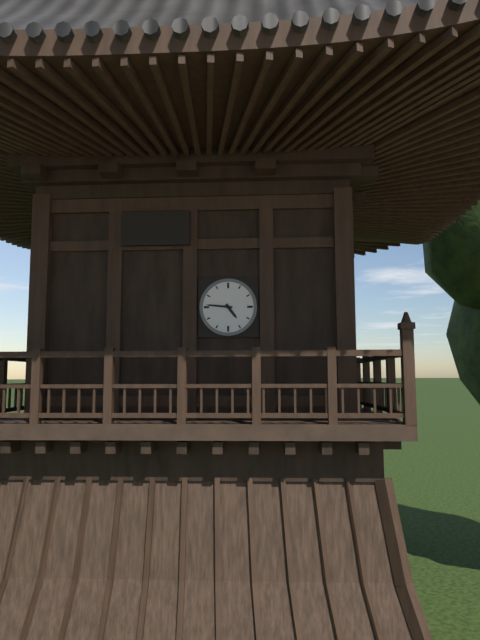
4:46
